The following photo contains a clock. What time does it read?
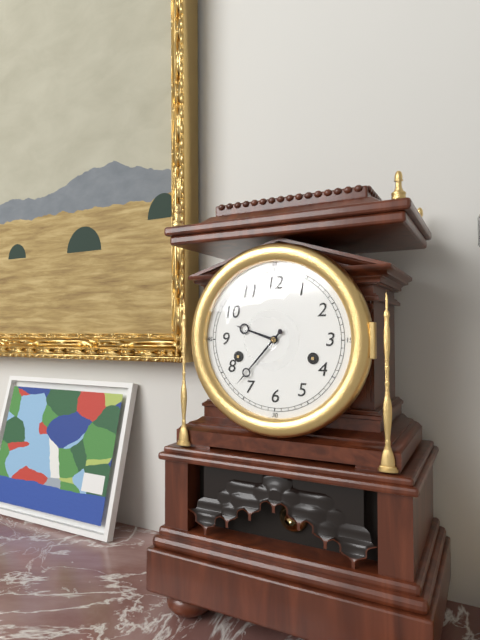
9:37
